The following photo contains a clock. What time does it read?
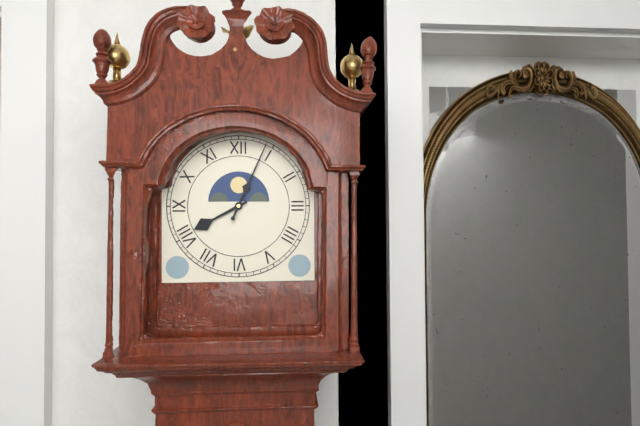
8:04
